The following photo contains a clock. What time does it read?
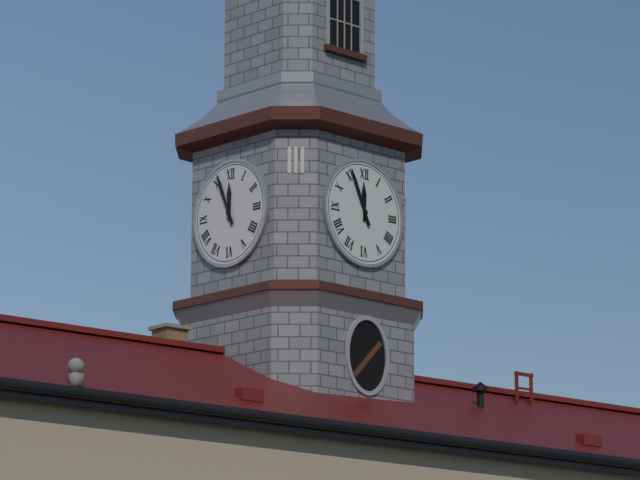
11:56
